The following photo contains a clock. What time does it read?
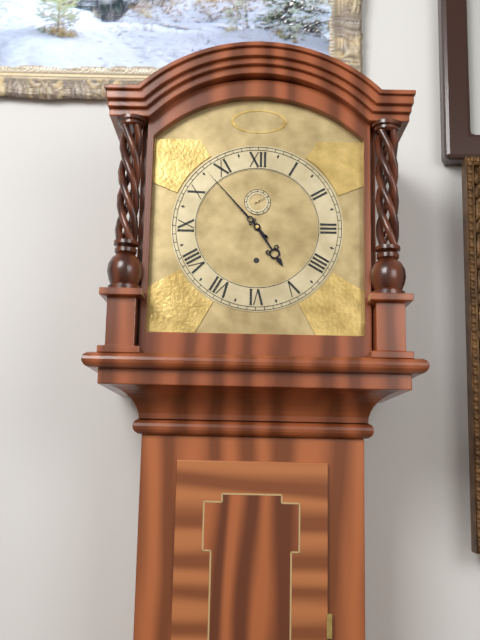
4:53
